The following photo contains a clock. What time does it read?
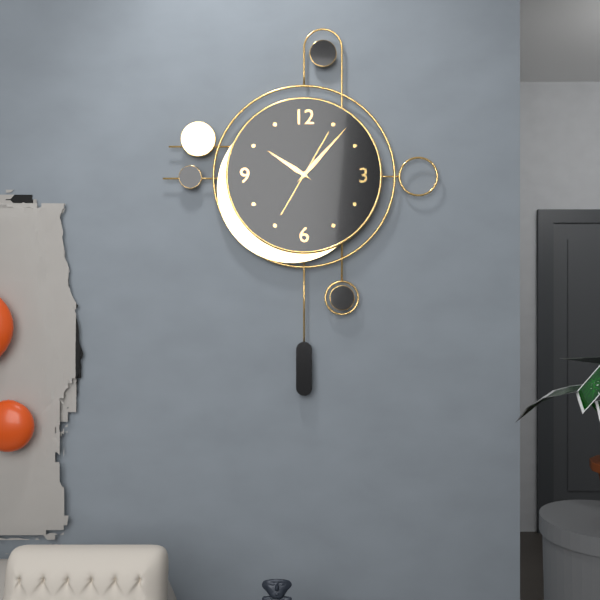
10:07:05
